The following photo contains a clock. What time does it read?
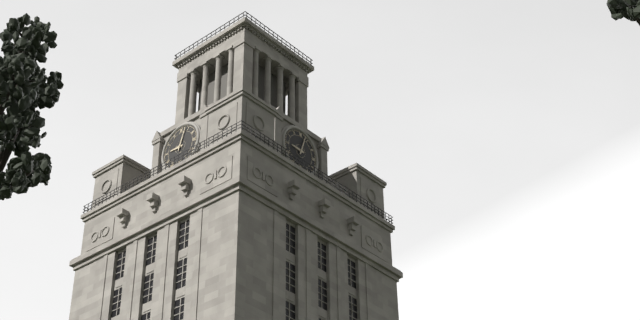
9:03
